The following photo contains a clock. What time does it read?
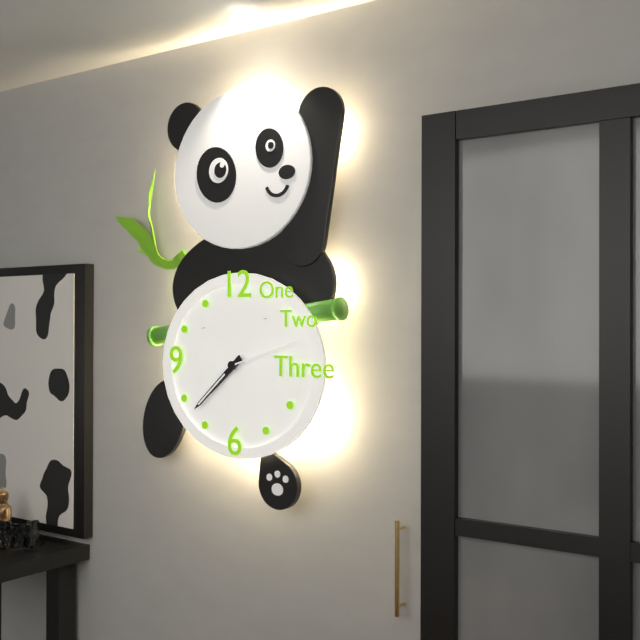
7:38:12
